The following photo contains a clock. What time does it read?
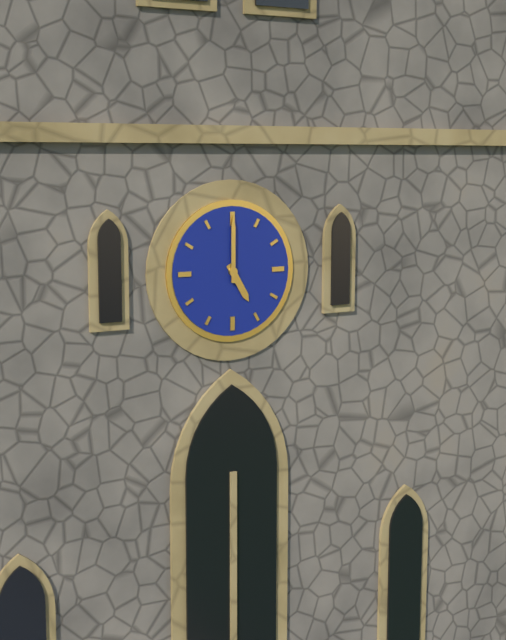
5:00
